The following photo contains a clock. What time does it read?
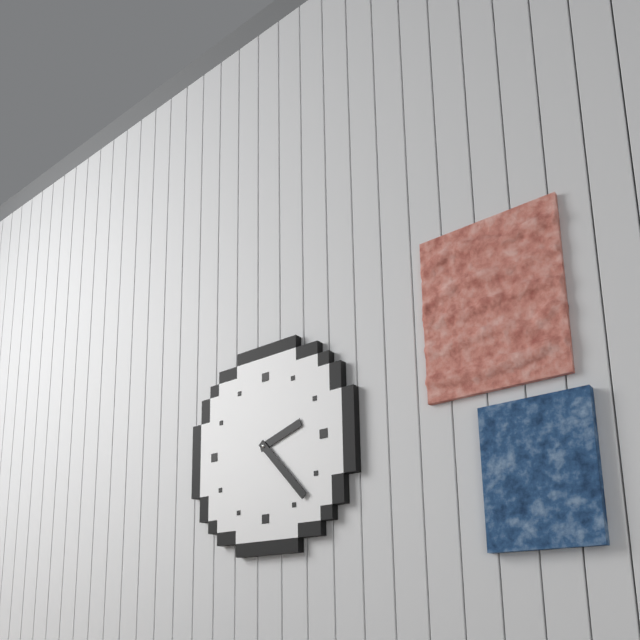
2:23
